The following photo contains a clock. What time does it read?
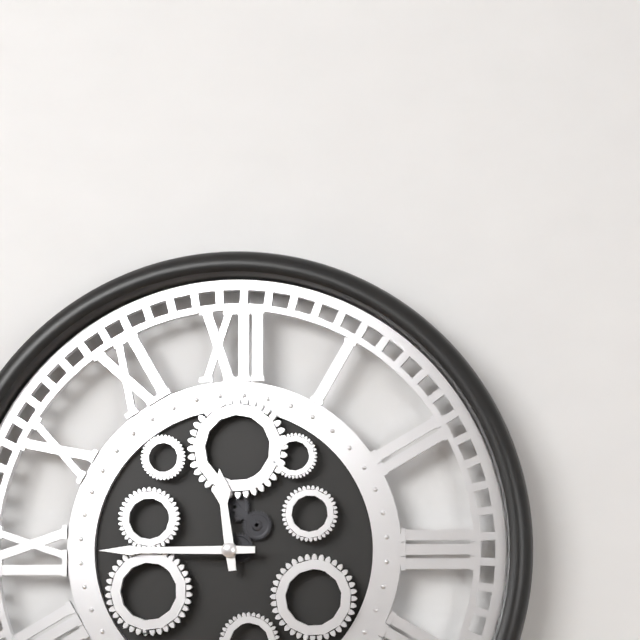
11:45
